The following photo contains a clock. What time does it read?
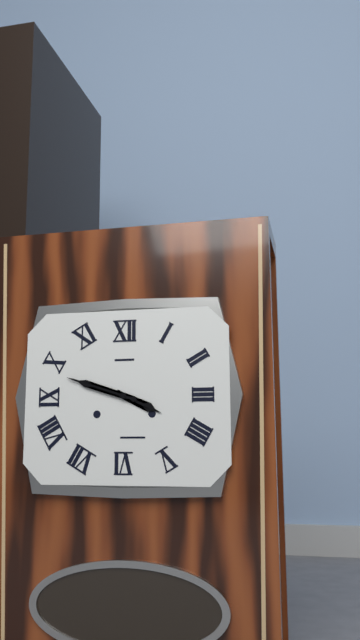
3:48
